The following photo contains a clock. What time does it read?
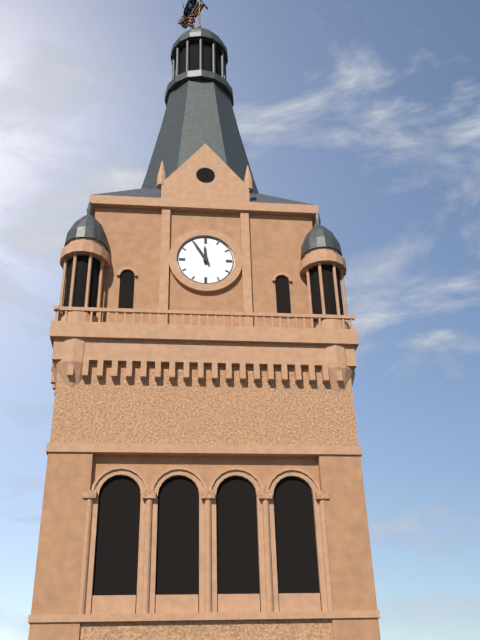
11:55
